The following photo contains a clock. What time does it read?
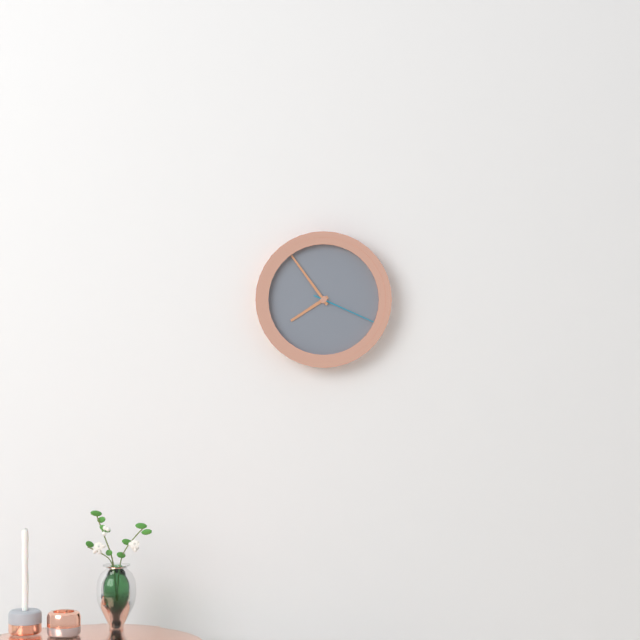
7:54:19
